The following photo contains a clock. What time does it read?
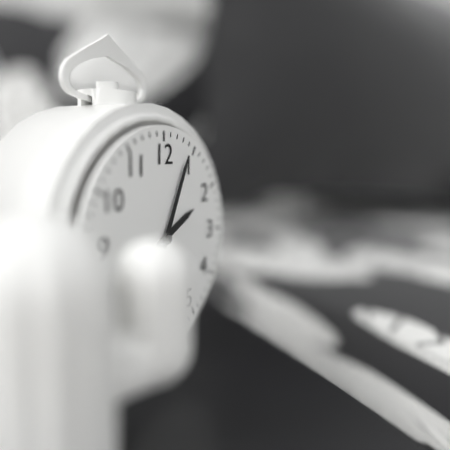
2:04
